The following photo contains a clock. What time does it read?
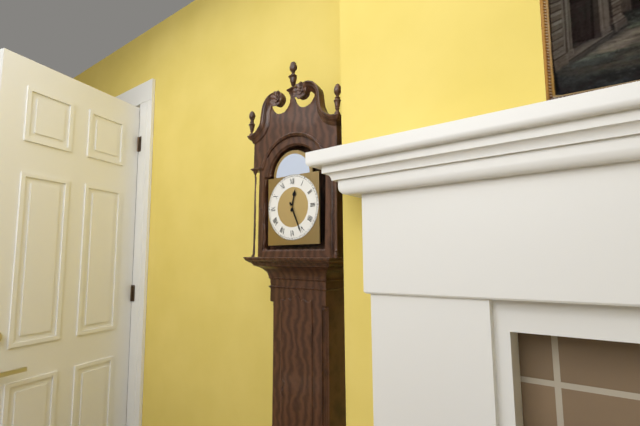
12:26
